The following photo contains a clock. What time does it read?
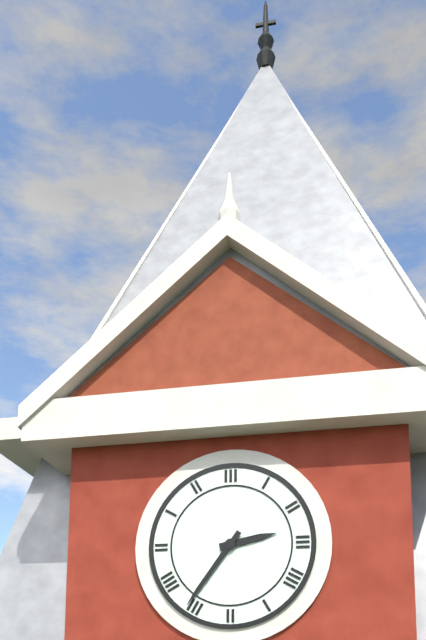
2:36
